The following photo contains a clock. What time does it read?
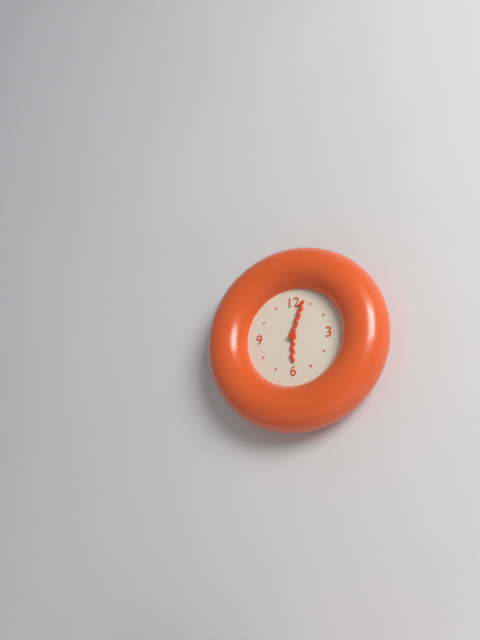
6:03
